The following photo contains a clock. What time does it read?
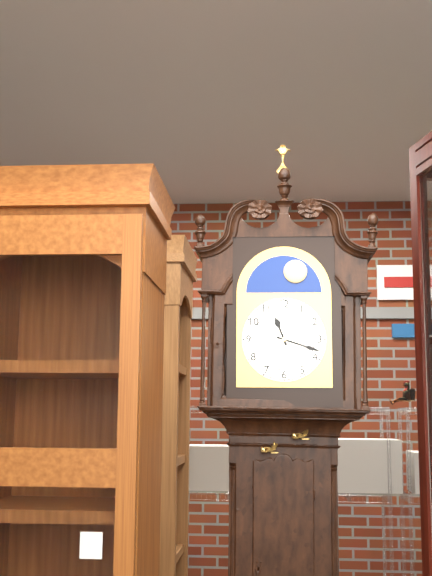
11:18
